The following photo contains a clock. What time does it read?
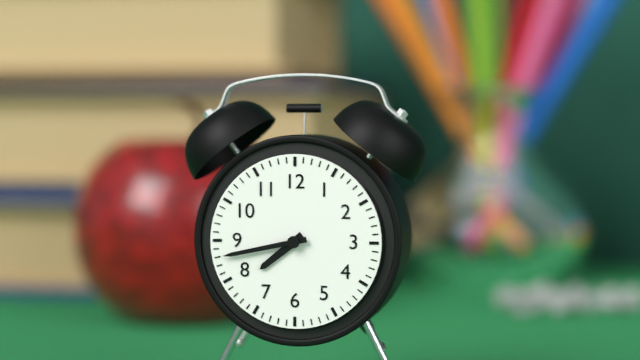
7:43
